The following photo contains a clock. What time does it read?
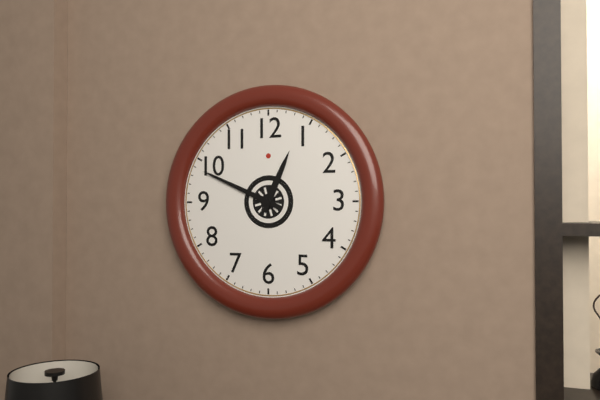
12:49
